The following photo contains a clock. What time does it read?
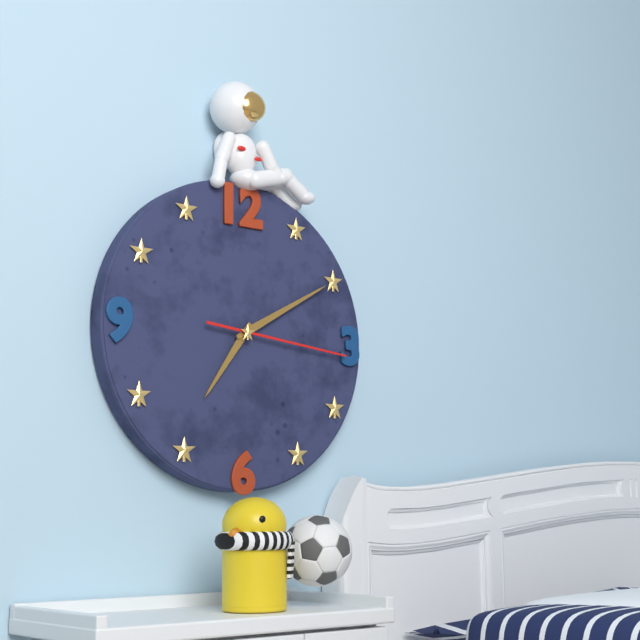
7:10:16
